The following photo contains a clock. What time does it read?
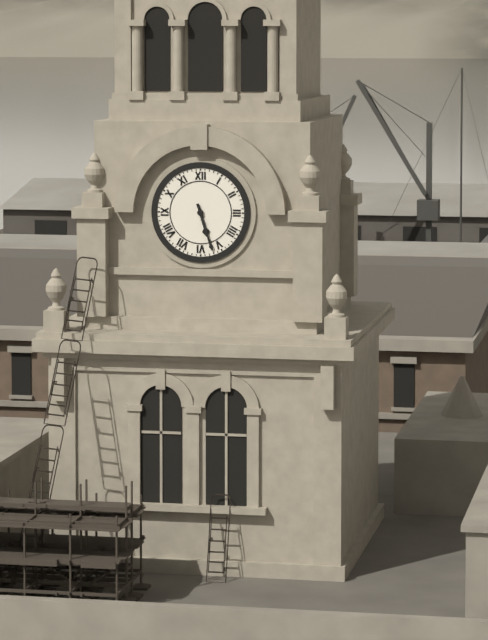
5:27
